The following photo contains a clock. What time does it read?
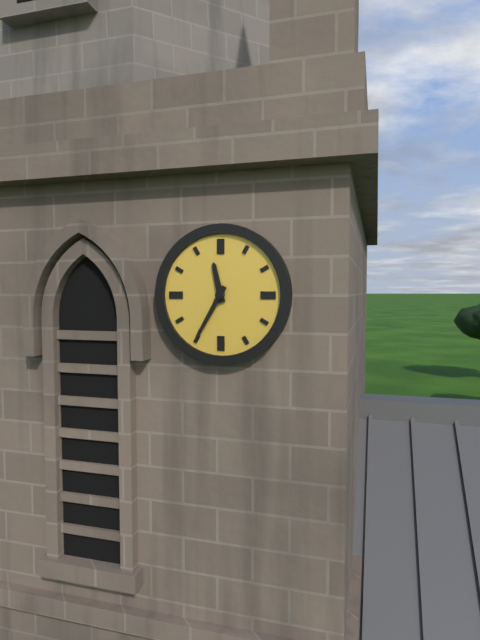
11:35
